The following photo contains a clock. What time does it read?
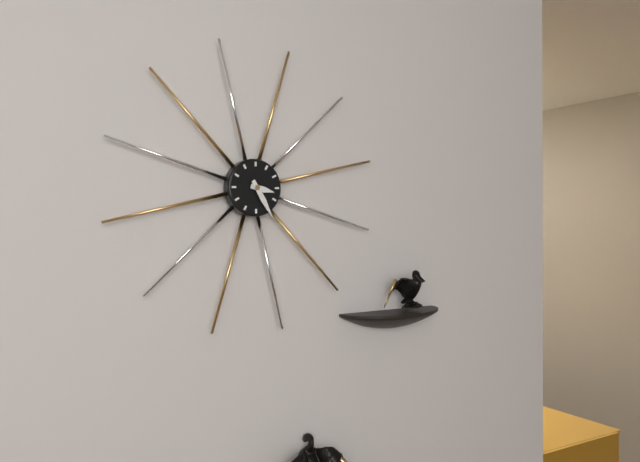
3:25
